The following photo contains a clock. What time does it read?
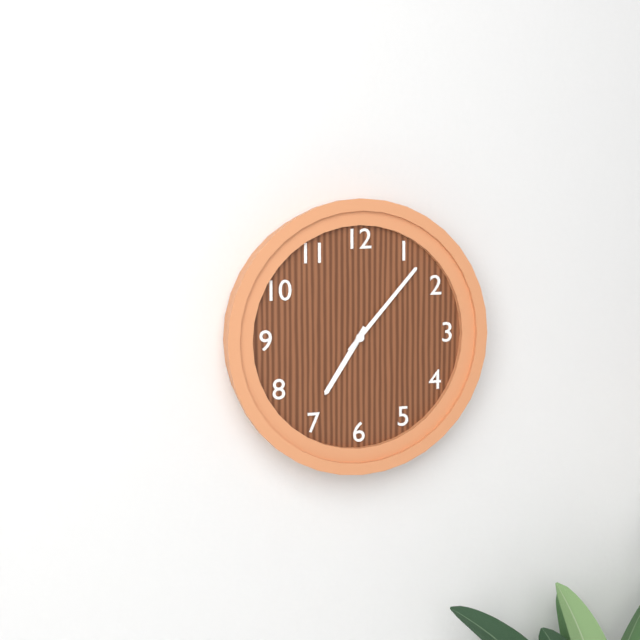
7:07
